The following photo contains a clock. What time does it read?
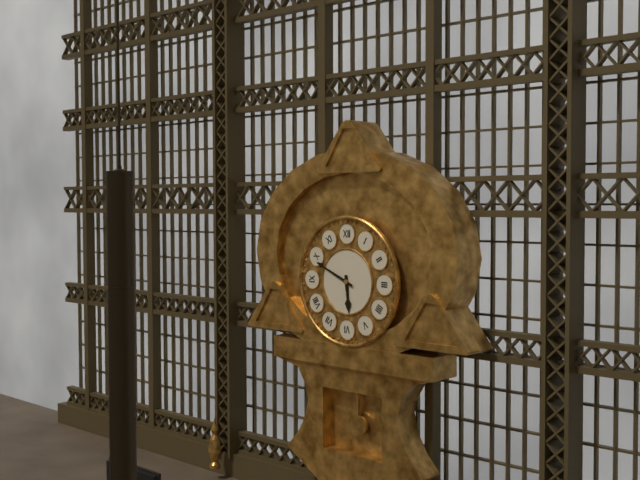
5:49
